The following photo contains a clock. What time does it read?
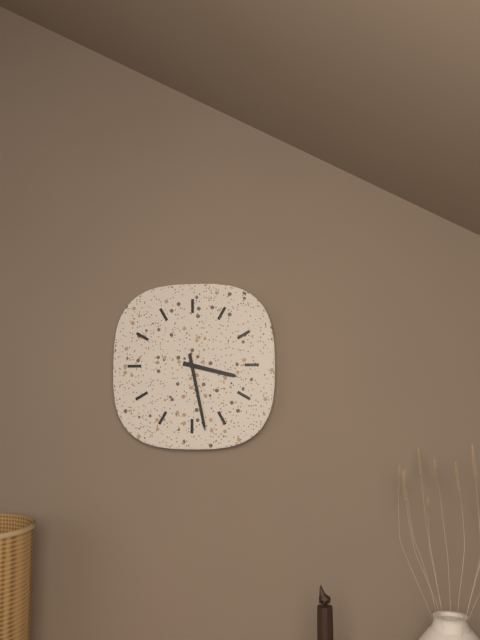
3:28
